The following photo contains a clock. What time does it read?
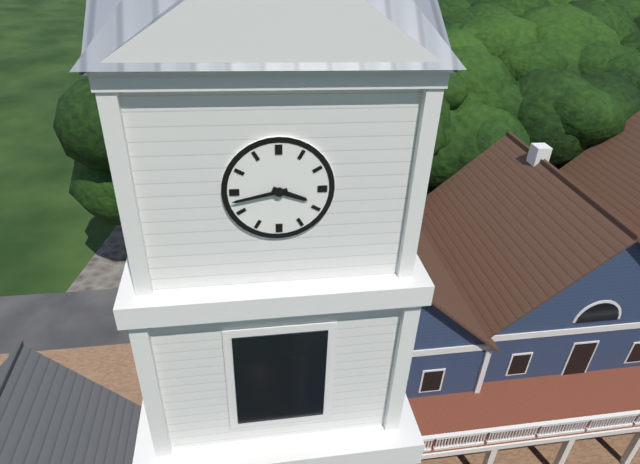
3:43
